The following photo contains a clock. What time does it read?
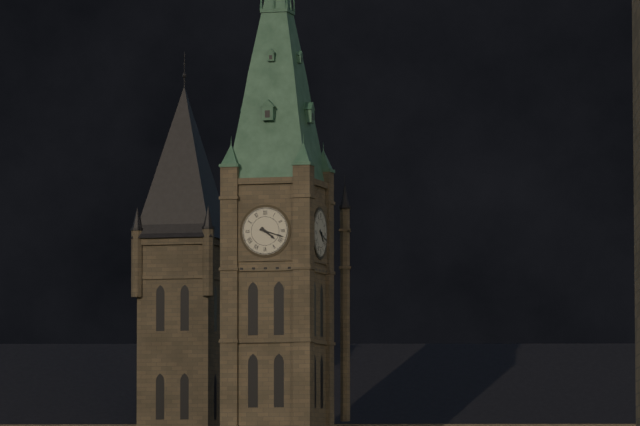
4:18
